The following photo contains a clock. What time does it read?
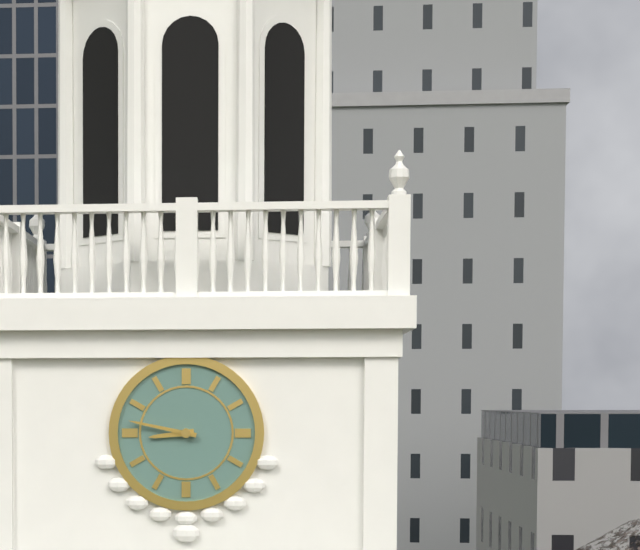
8:47
